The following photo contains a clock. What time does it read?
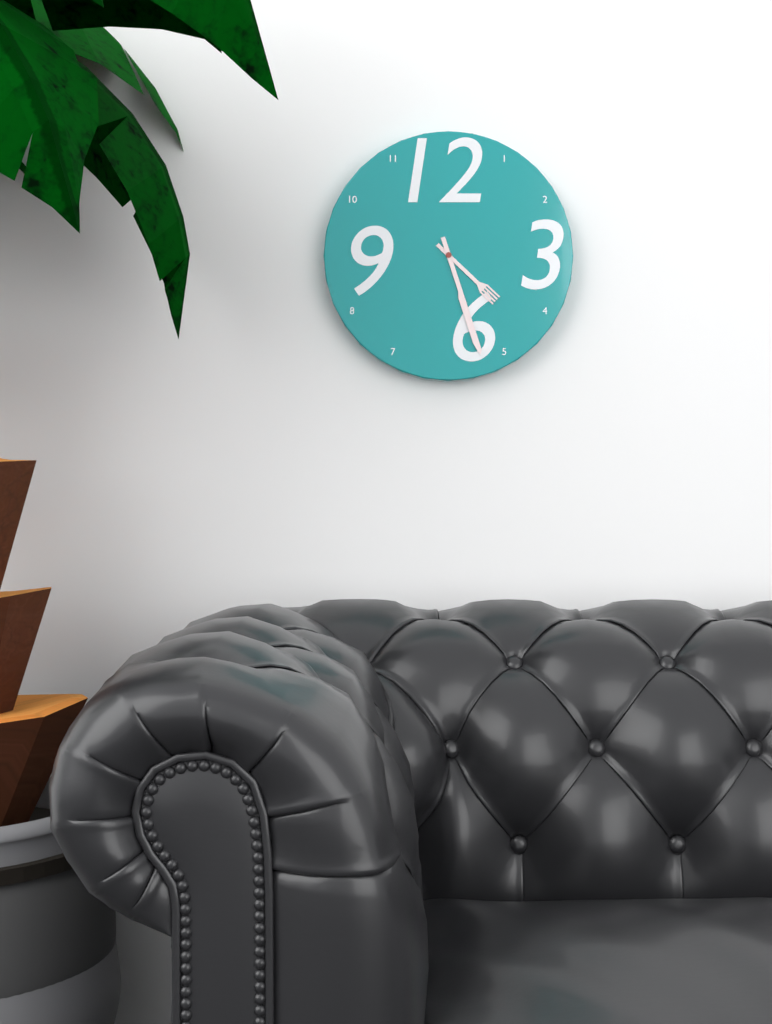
4:27
